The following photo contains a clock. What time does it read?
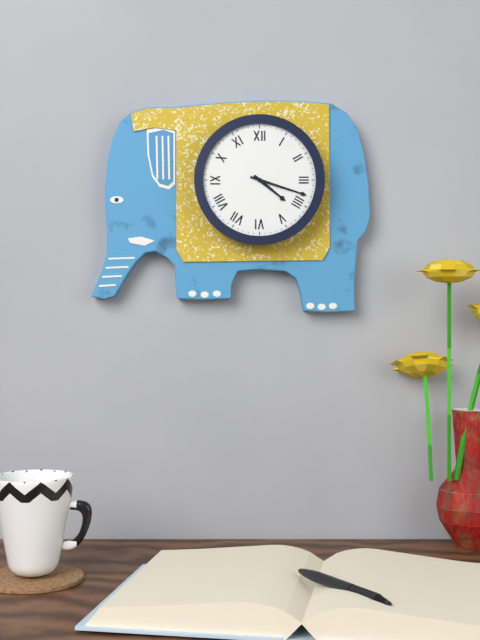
4:18
